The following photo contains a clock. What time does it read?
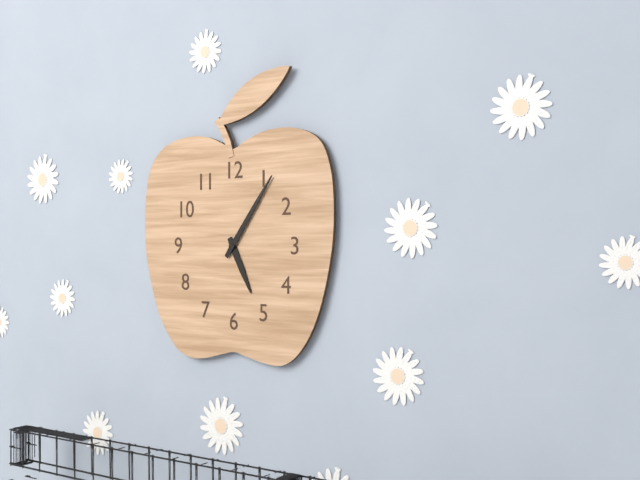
5:06
